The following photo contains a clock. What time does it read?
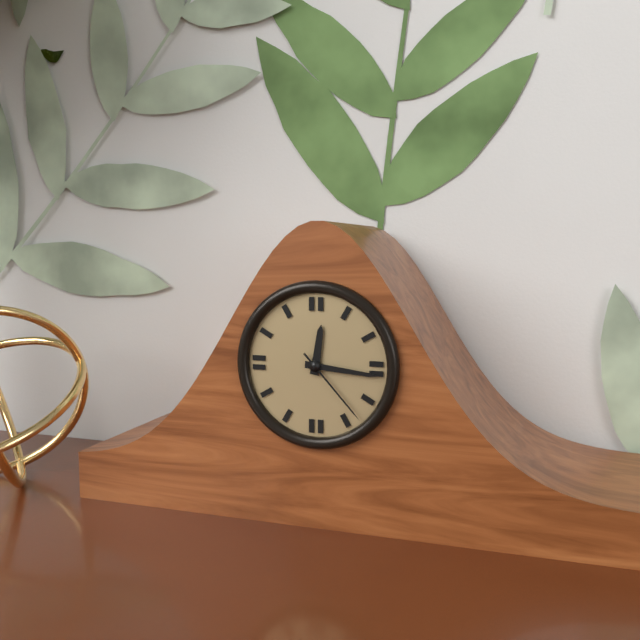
12:16:23
